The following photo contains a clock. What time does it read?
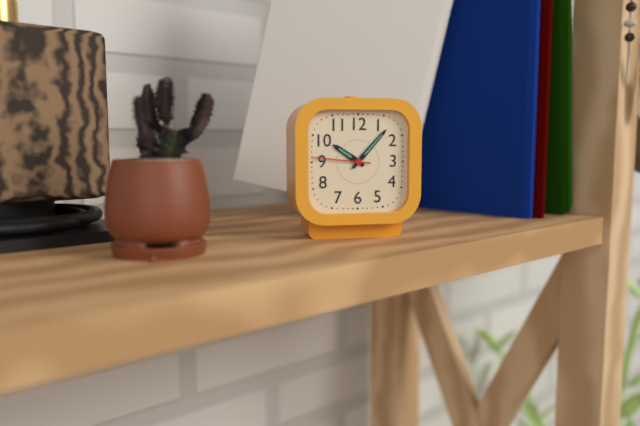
10:07
